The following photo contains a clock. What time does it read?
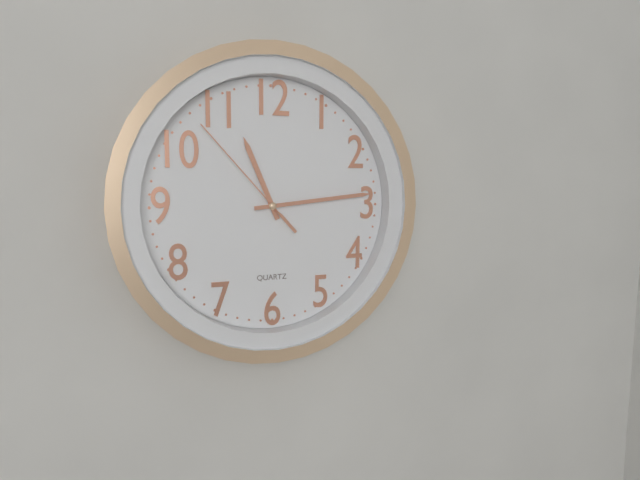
11:14:53
